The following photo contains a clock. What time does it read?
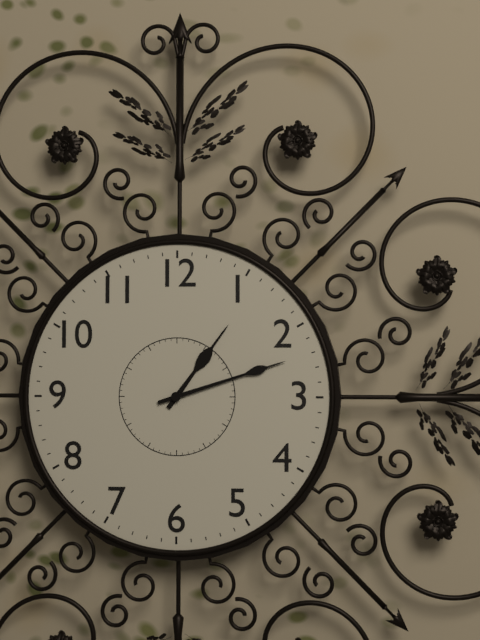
1:12
